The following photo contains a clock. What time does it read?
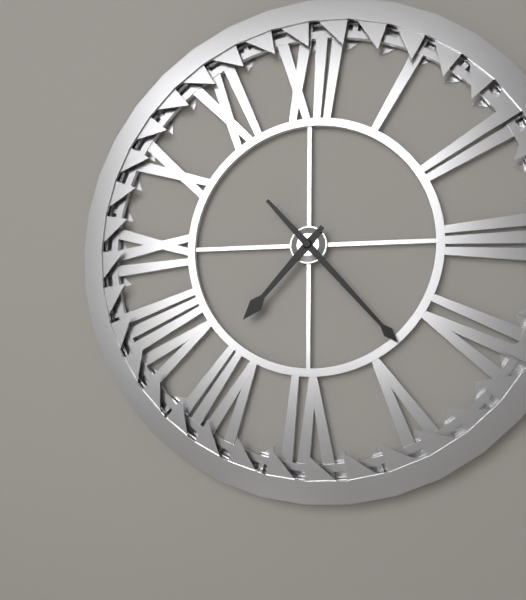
7:23
